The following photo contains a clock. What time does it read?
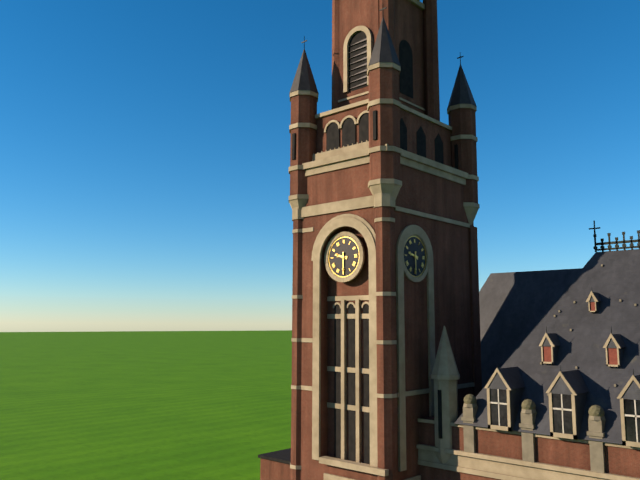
9:30
